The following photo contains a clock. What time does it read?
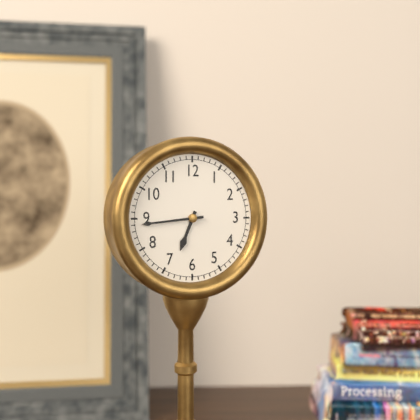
6:44
